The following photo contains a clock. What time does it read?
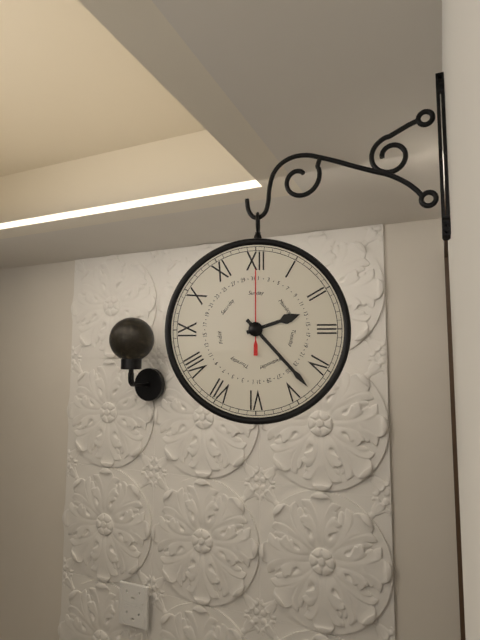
2:23:00
